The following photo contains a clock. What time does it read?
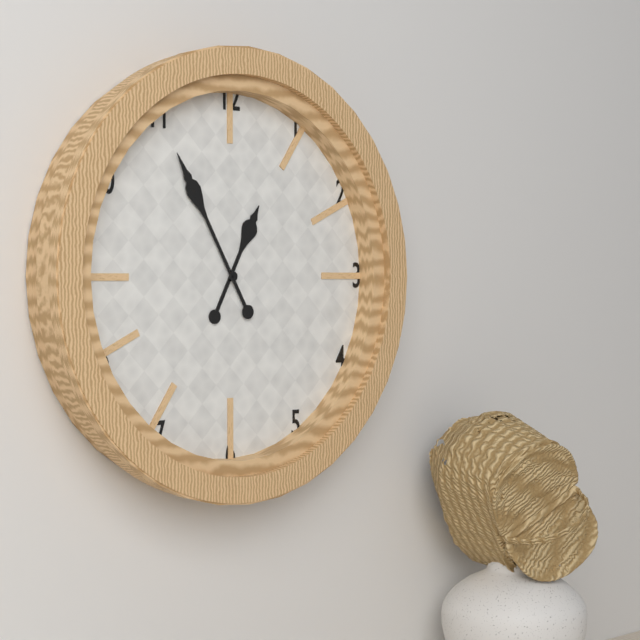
12:55
